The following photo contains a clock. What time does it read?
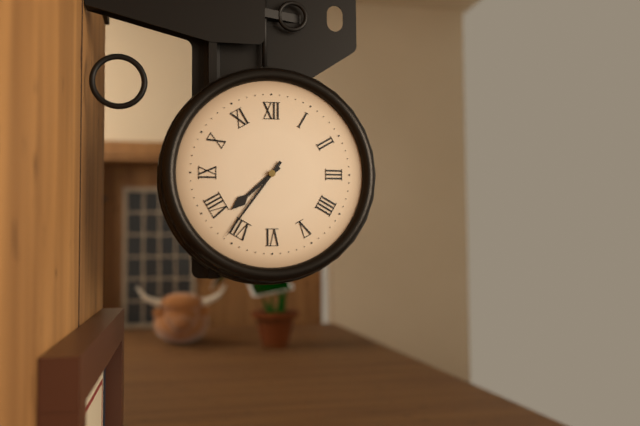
7:36
